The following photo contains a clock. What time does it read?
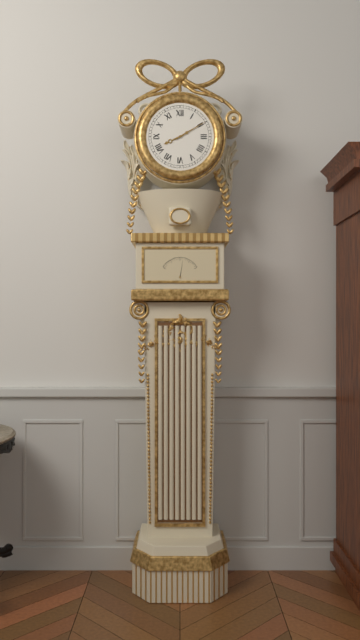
8:10
